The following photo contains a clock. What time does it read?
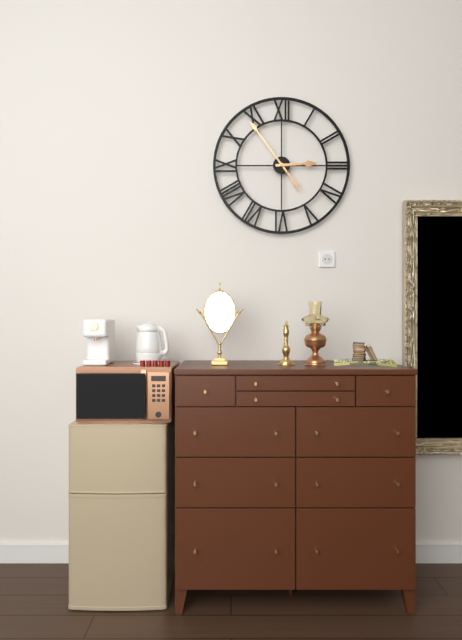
2:54
